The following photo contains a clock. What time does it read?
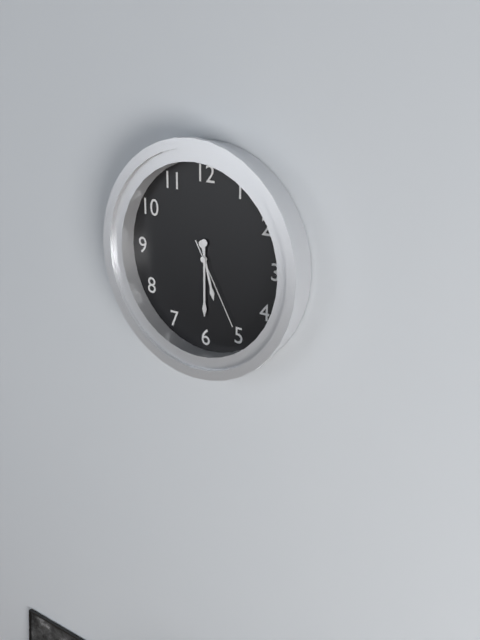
5:30:25
